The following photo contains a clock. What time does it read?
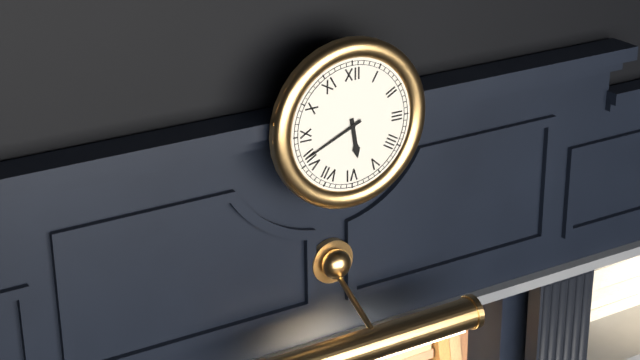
5:41
